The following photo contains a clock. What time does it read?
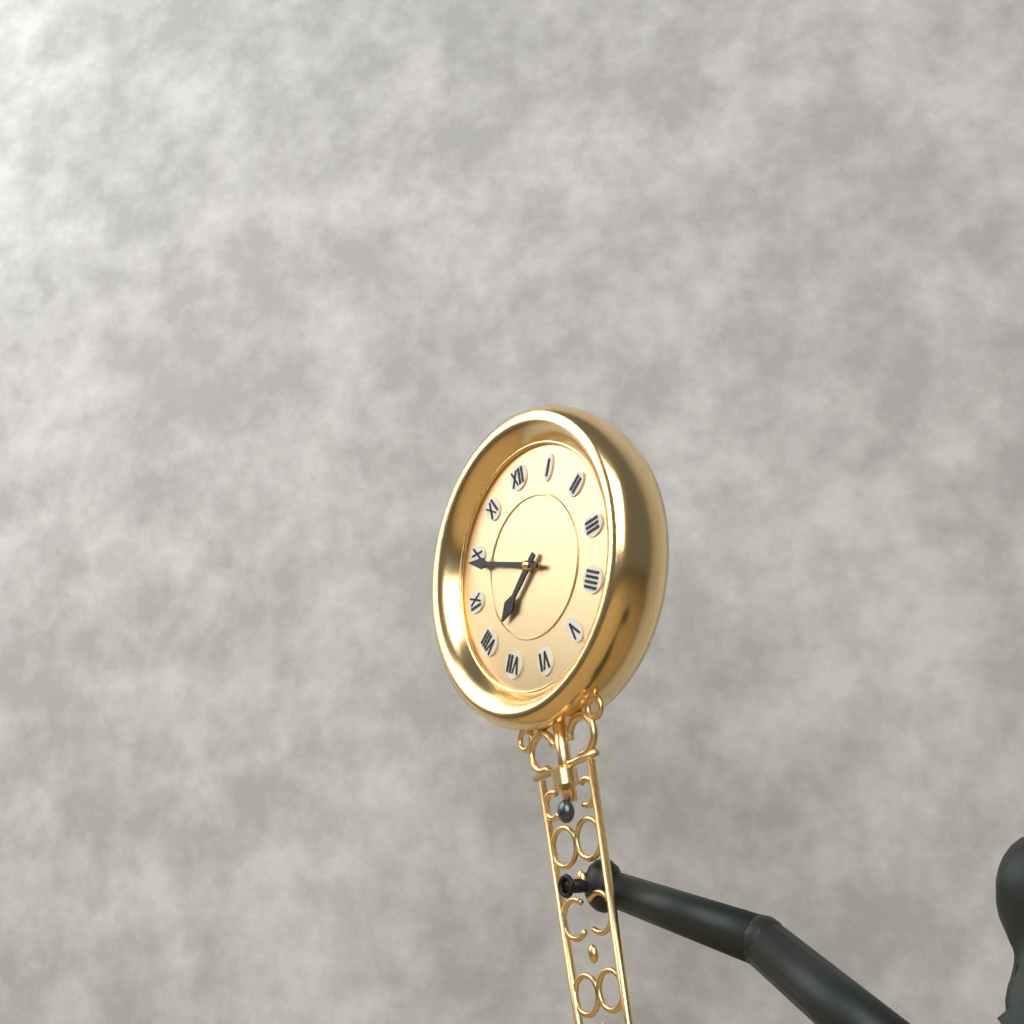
7:49
